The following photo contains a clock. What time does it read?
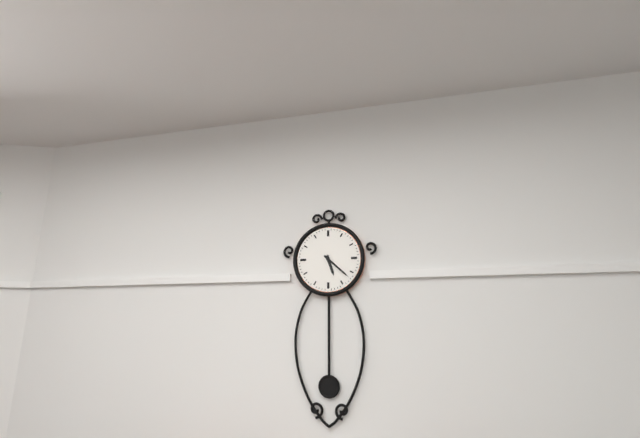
5:22
